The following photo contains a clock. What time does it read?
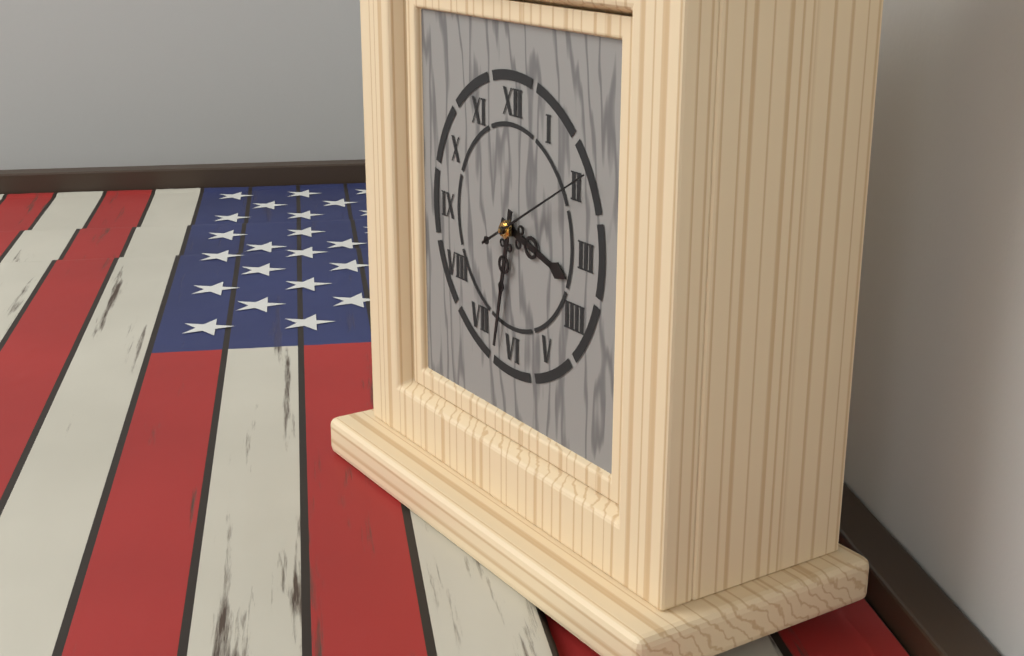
3:32:10
